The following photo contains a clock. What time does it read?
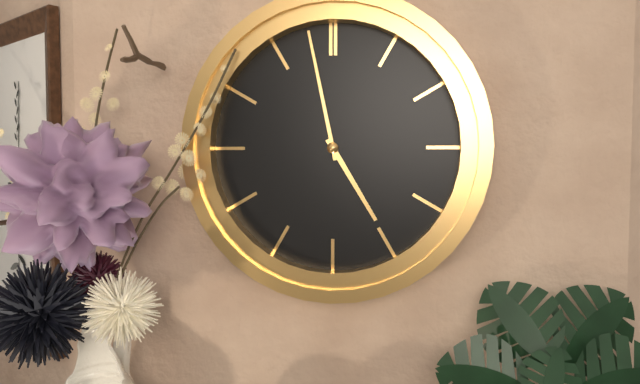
4:58
